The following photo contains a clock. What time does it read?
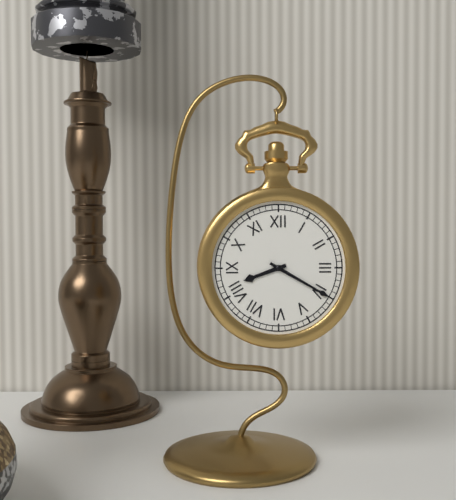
8:20
